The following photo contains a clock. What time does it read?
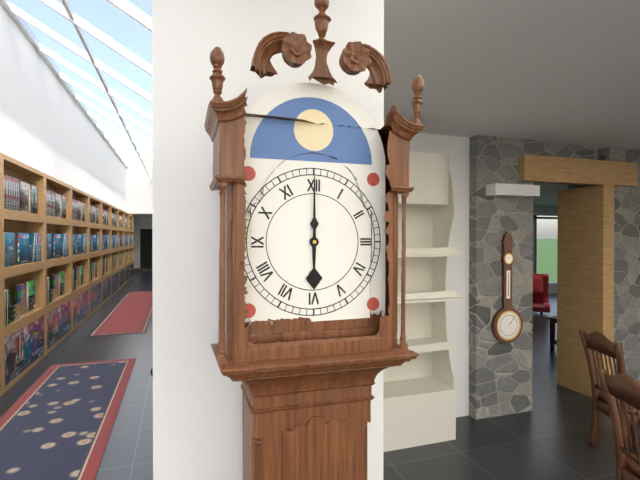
6:00
